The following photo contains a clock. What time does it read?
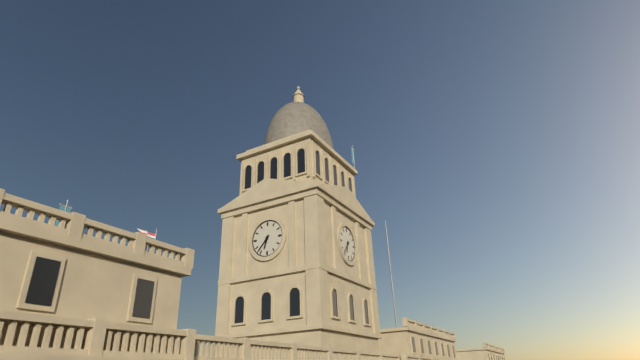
6:37
